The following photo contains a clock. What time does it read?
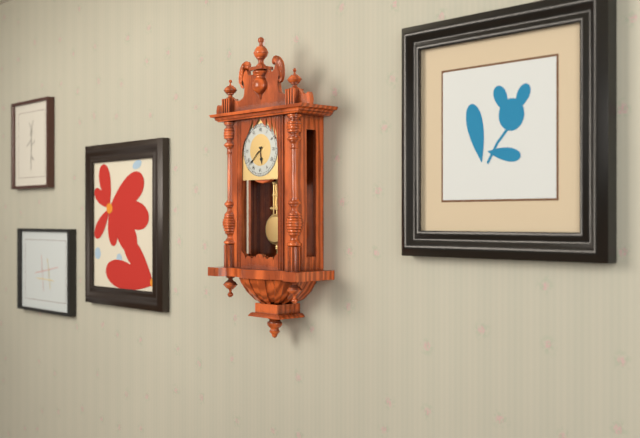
5:38
